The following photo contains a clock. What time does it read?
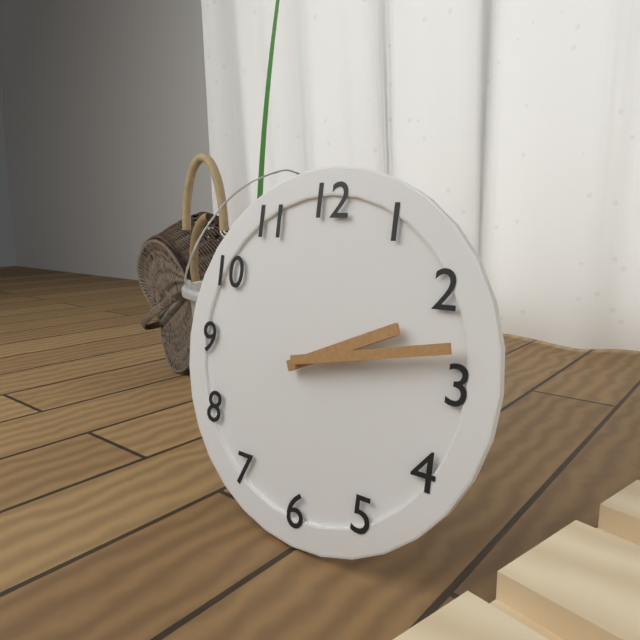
2:13
